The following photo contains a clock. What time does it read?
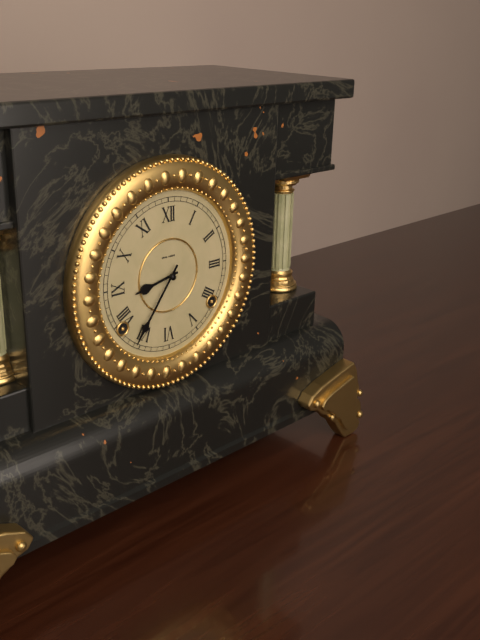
8:36
